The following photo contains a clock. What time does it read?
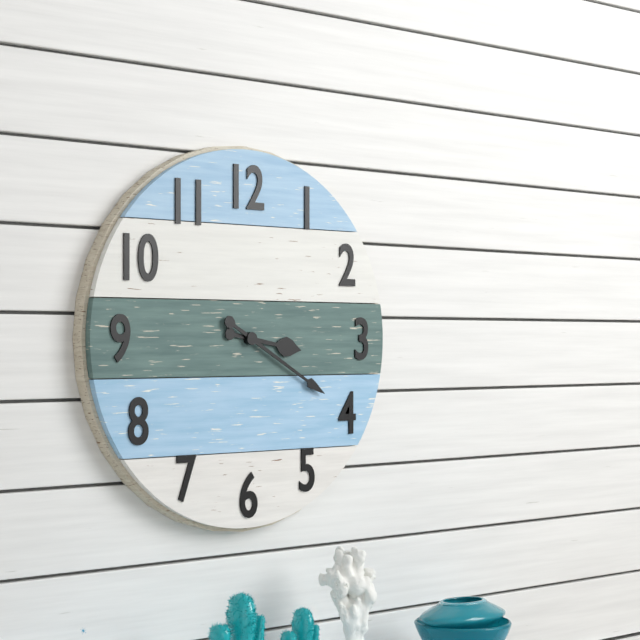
3:20
